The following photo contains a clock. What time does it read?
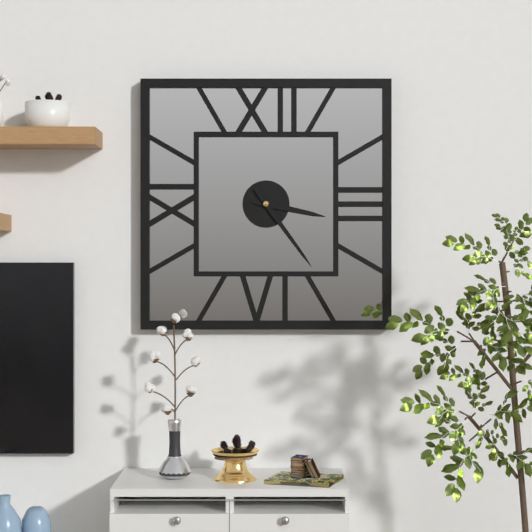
3:24
